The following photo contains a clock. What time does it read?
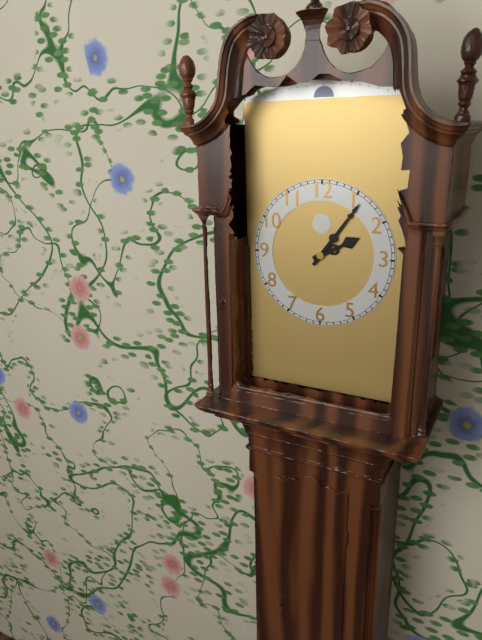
2:06
